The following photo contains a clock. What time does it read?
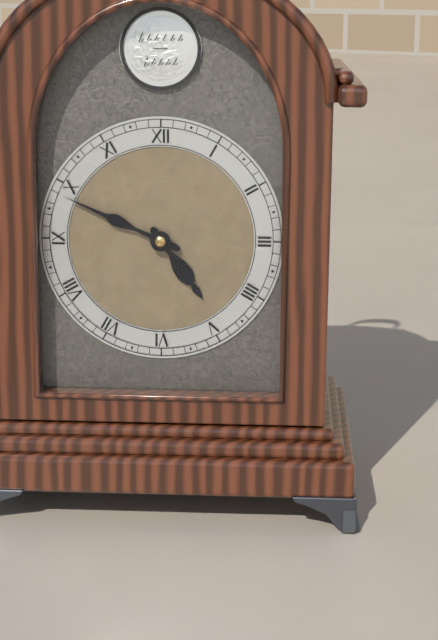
4:49
